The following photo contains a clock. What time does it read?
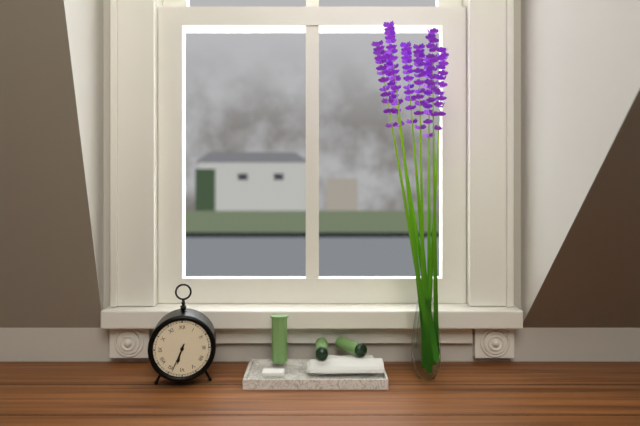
6:34
